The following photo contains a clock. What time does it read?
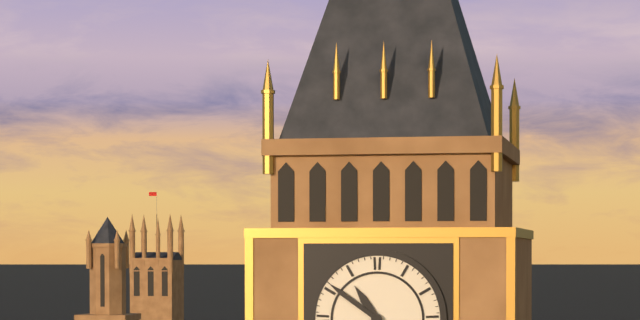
10:51
